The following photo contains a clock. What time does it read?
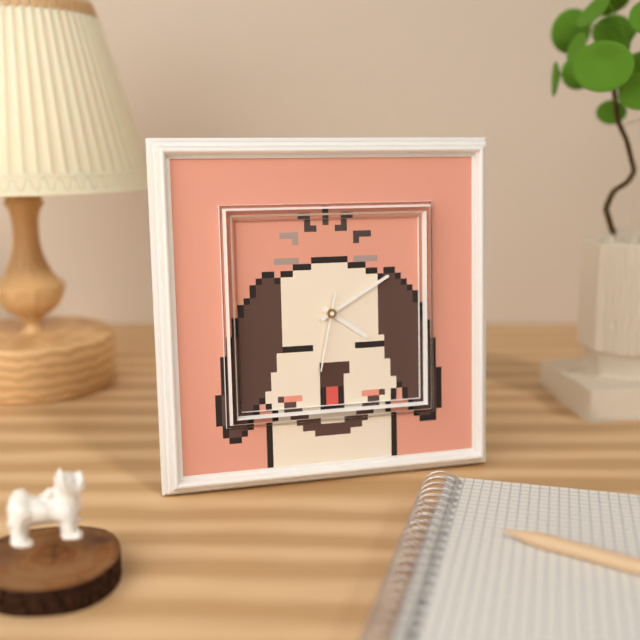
4:10:32
